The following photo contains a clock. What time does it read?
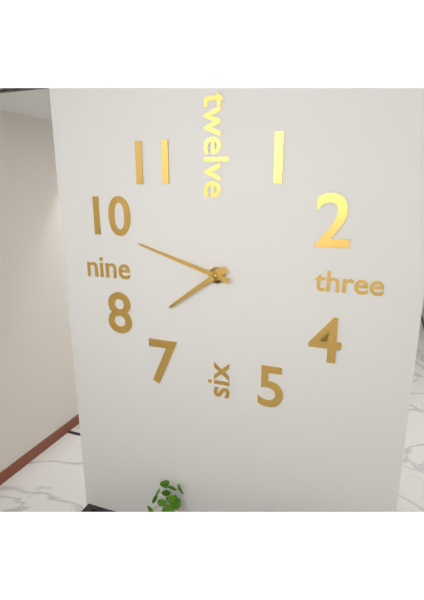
7:48
